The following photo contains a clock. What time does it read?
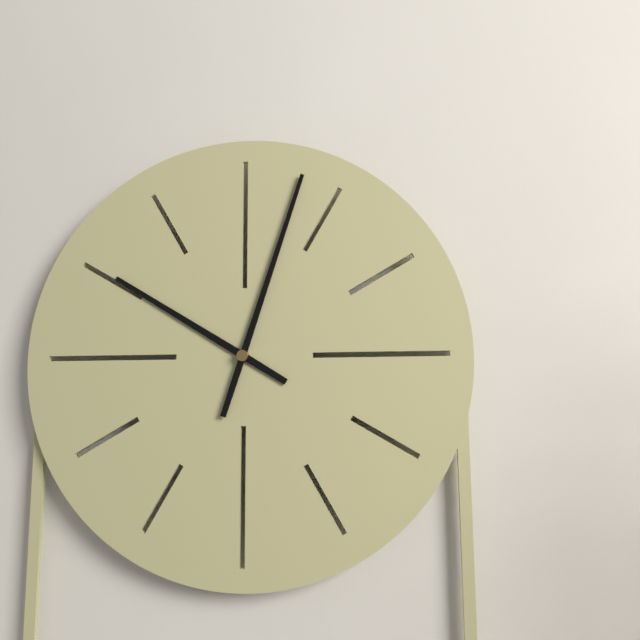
10:03
